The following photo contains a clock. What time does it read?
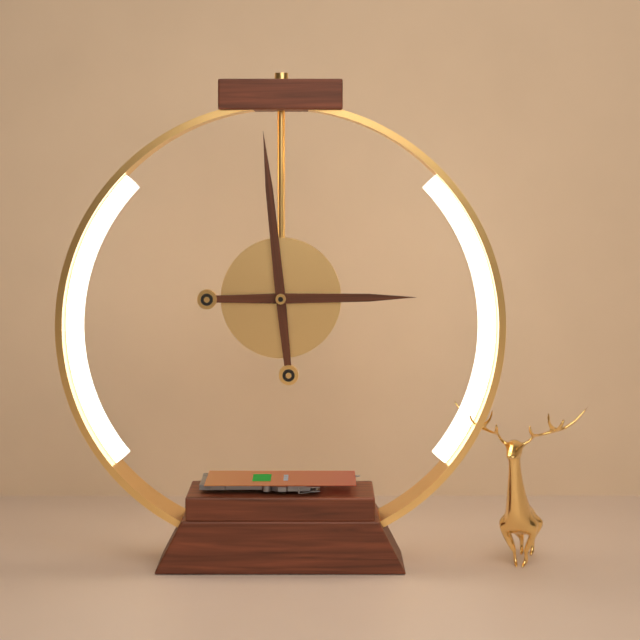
2:59
